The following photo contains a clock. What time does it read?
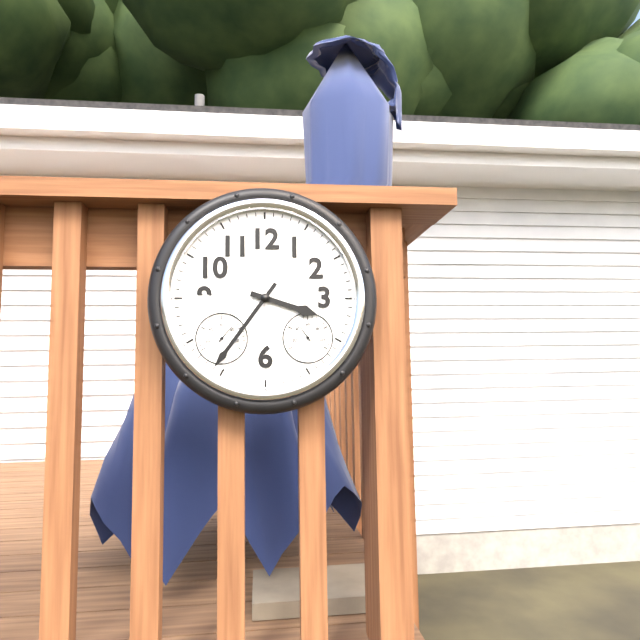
3:36
